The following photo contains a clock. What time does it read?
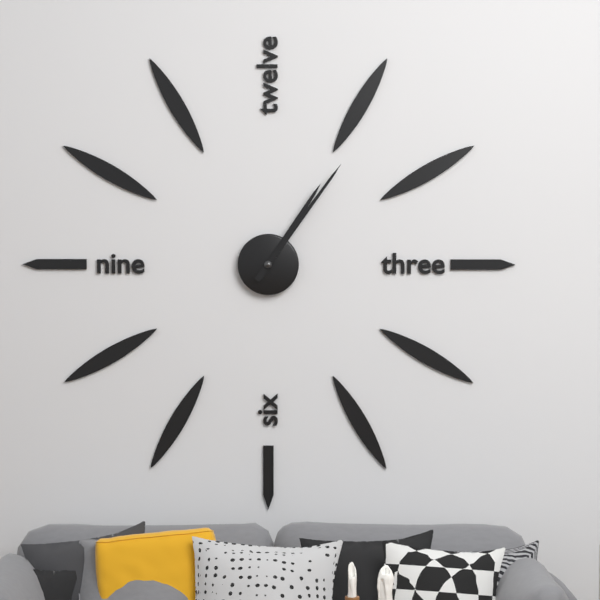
1:06
